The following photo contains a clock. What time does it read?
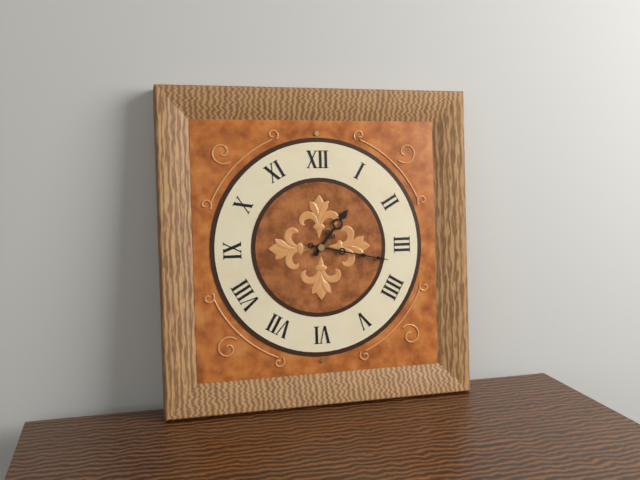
1:17
